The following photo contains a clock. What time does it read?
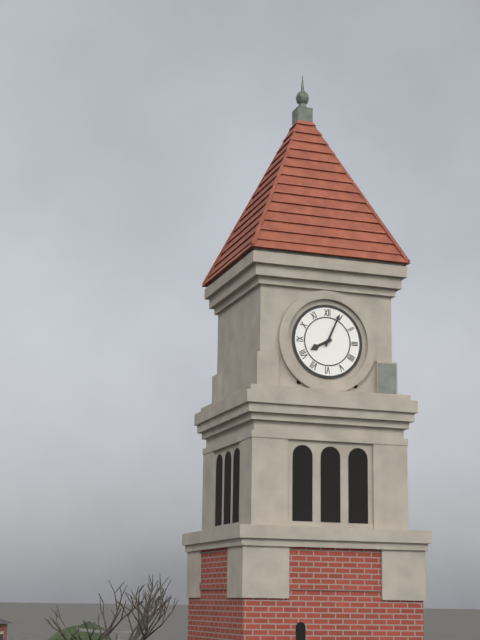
8:04
